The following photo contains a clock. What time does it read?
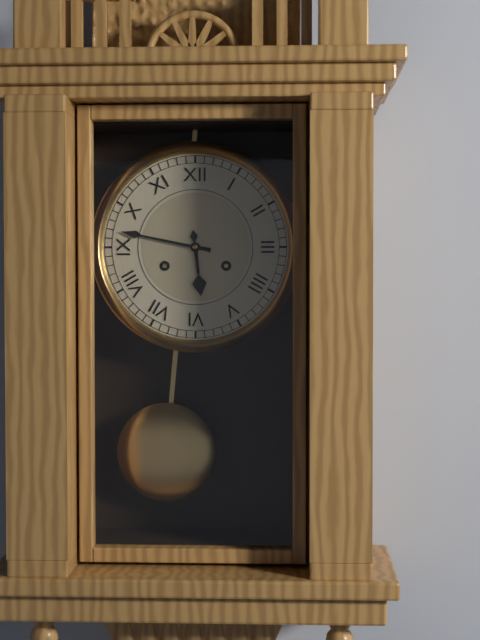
5:47
